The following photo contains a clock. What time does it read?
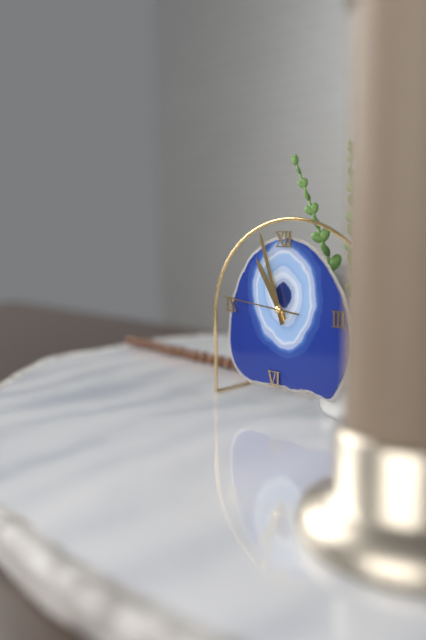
10:57:46
